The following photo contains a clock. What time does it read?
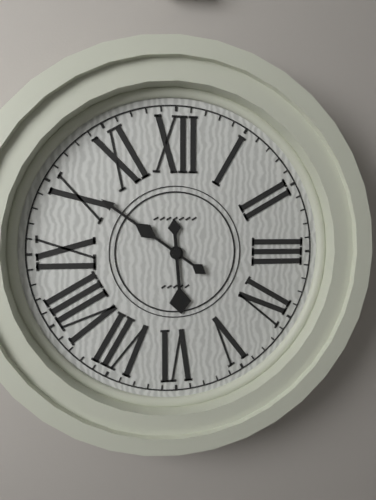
5:51
